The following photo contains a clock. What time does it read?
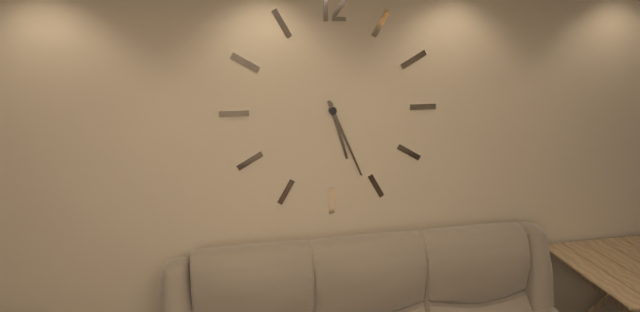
5:26
